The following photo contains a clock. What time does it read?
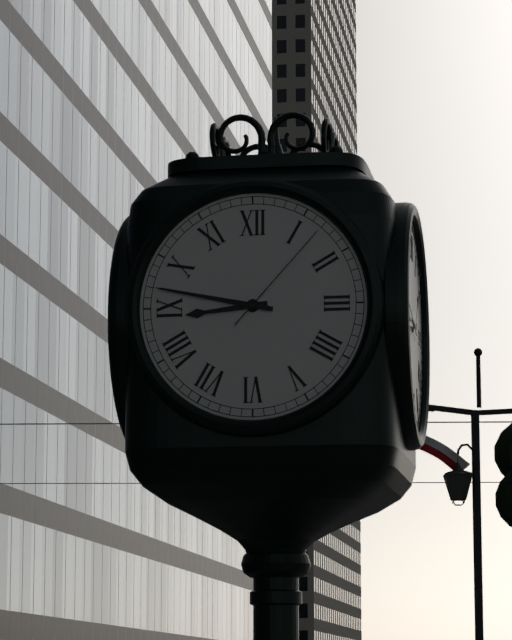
8:47:07
